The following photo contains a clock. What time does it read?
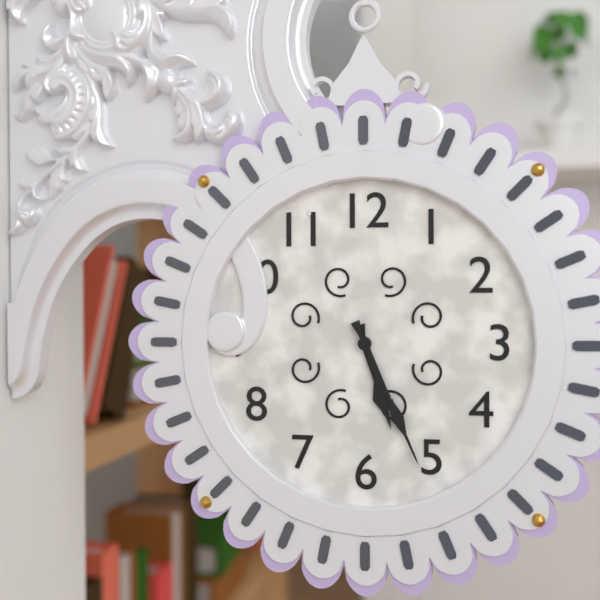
5:26
